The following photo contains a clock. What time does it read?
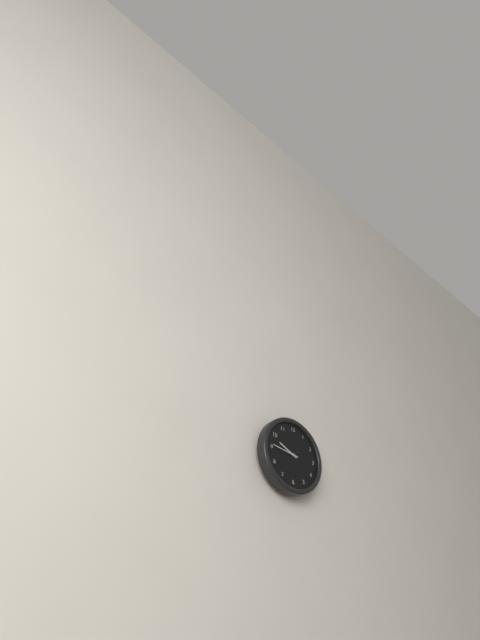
9:46
